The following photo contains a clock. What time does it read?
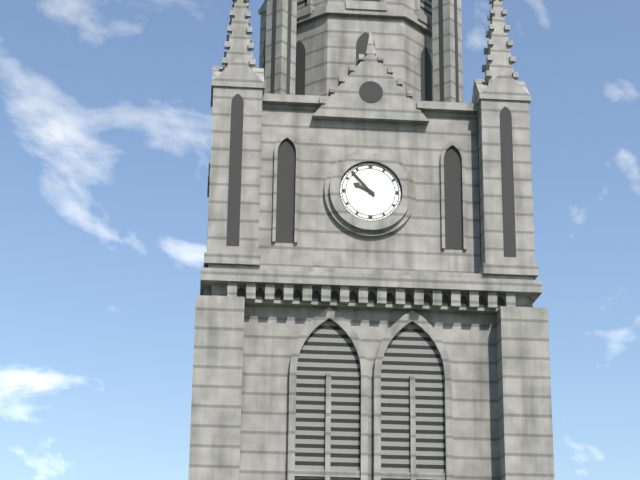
9:53
